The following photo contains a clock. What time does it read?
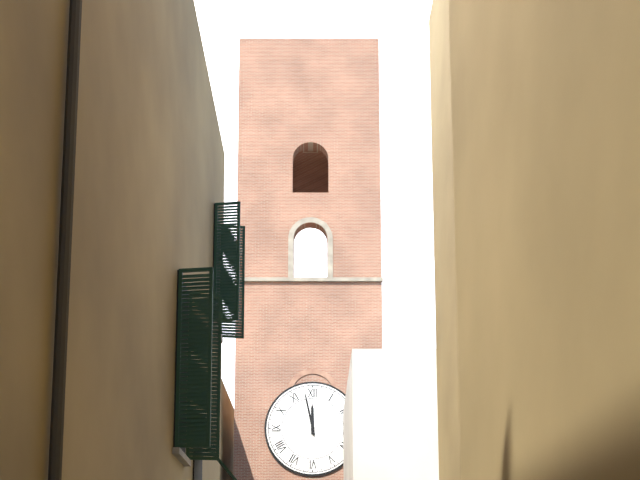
11:58
